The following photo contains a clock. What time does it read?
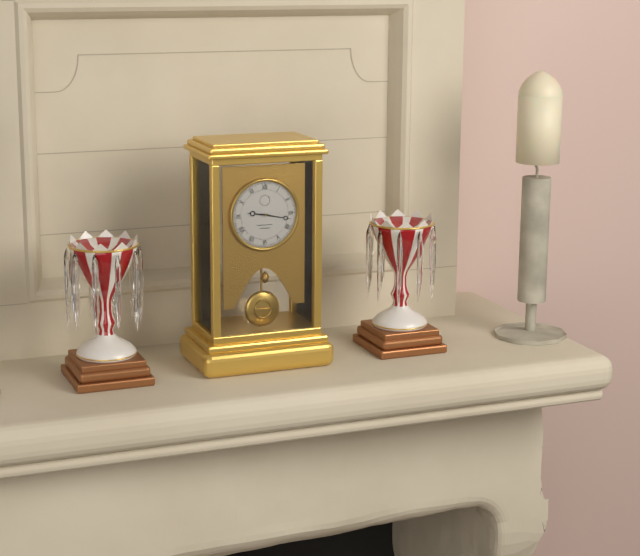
9:17
